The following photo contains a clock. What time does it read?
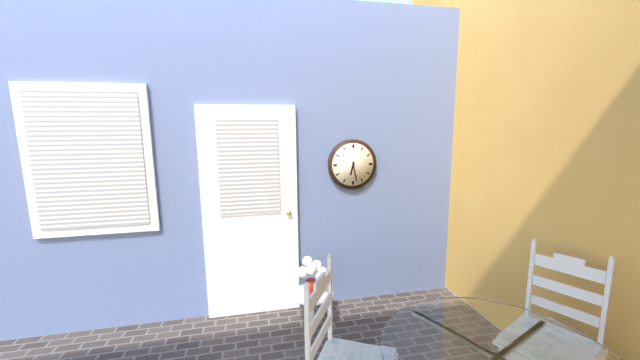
6:28
